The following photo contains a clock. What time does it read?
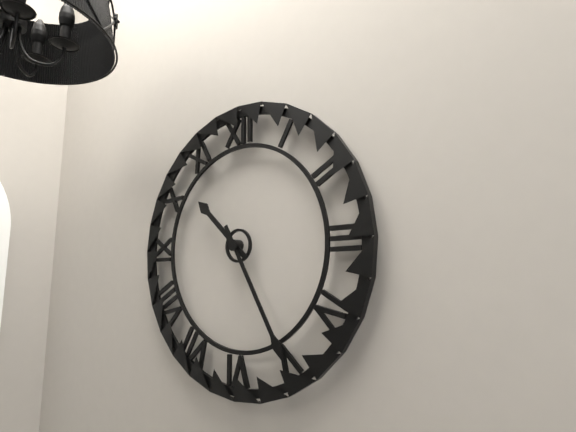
10:25
